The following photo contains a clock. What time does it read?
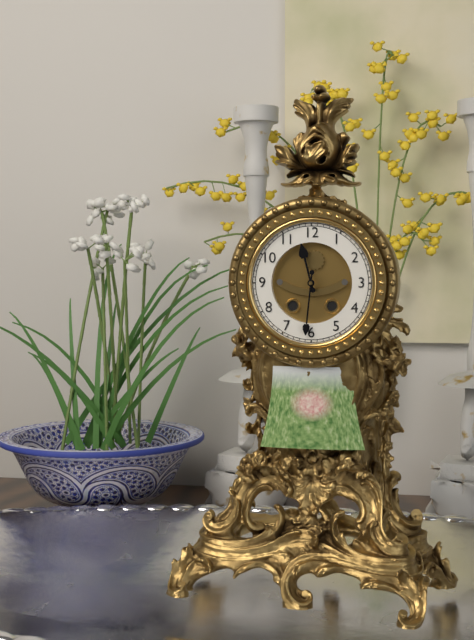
11:31
